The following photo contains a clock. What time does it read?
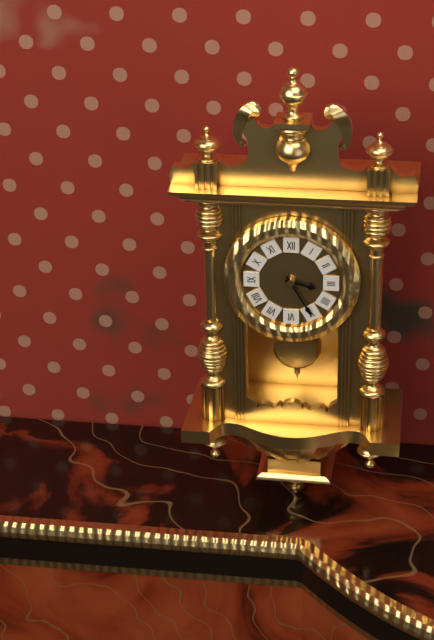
3:25
